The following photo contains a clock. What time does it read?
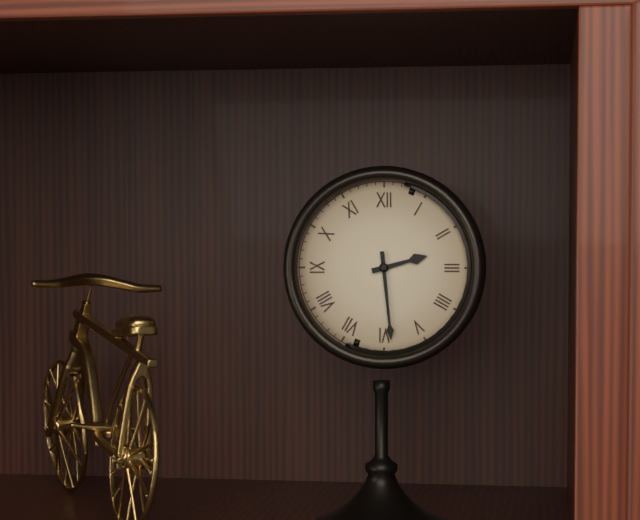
2:29
